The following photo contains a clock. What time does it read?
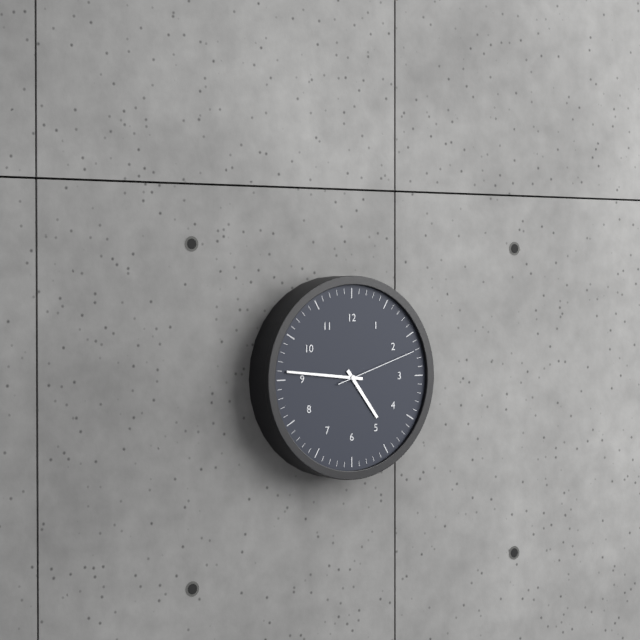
4:46:12
